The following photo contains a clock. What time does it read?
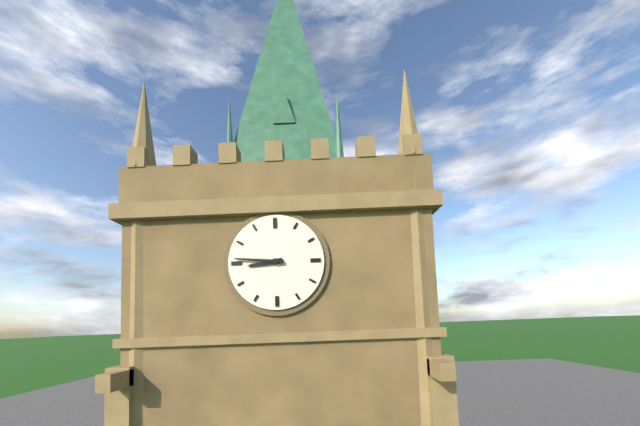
8:46
